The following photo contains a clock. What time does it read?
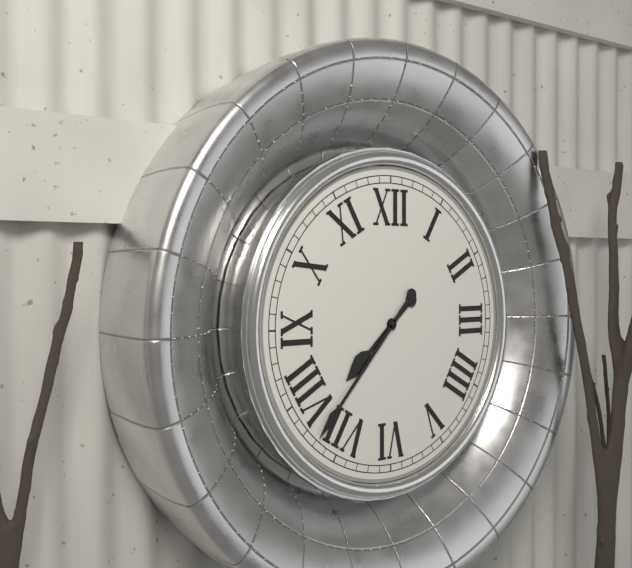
7:37
